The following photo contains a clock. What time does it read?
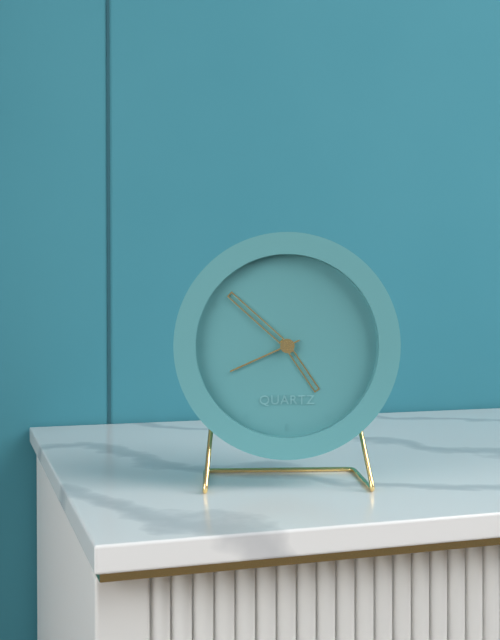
4:52:41
